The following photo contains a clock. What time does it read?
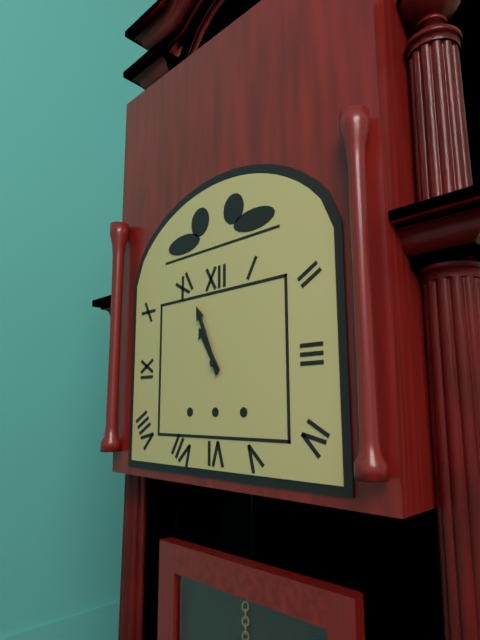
10:56
